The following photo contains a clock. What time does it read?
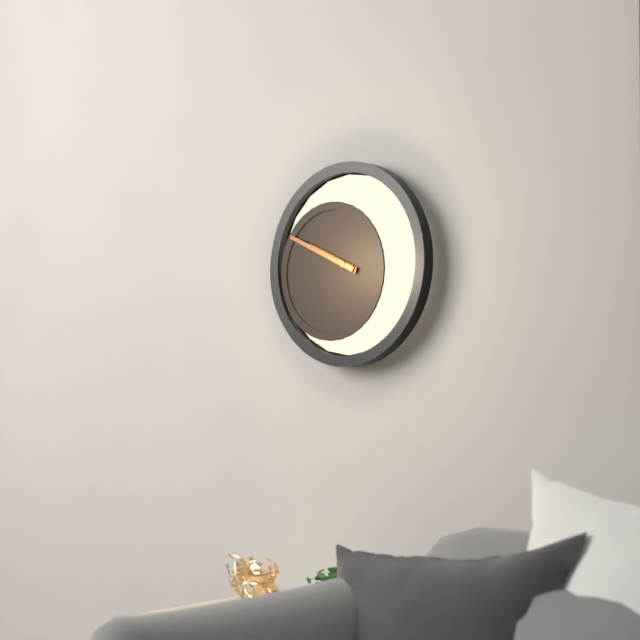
9:49
